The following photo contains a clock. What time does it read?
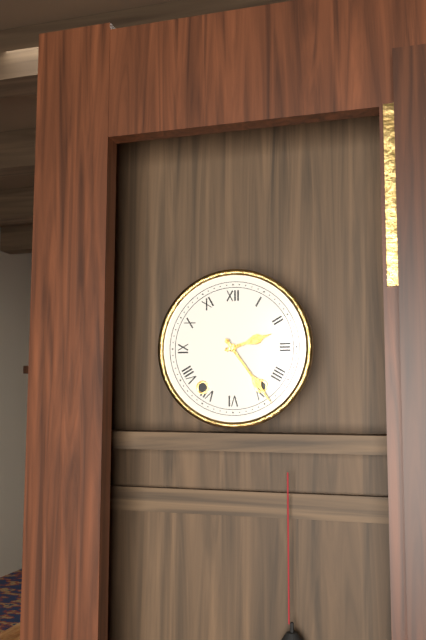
2:24
